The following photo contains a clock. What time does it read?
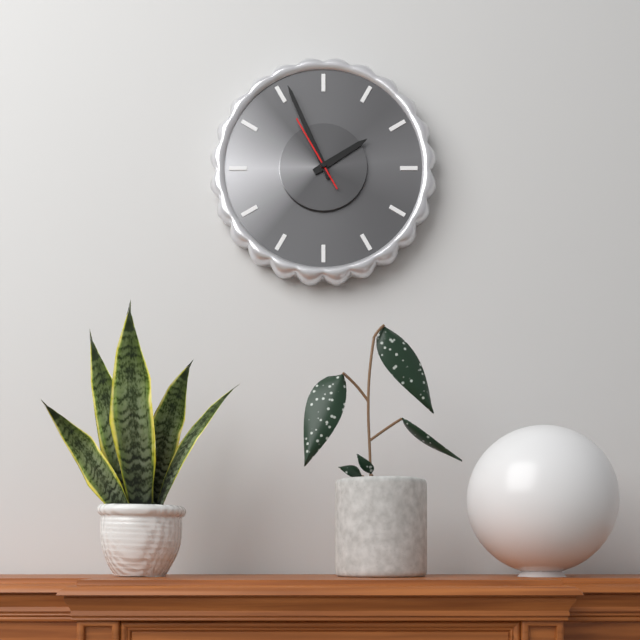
1:56:55
